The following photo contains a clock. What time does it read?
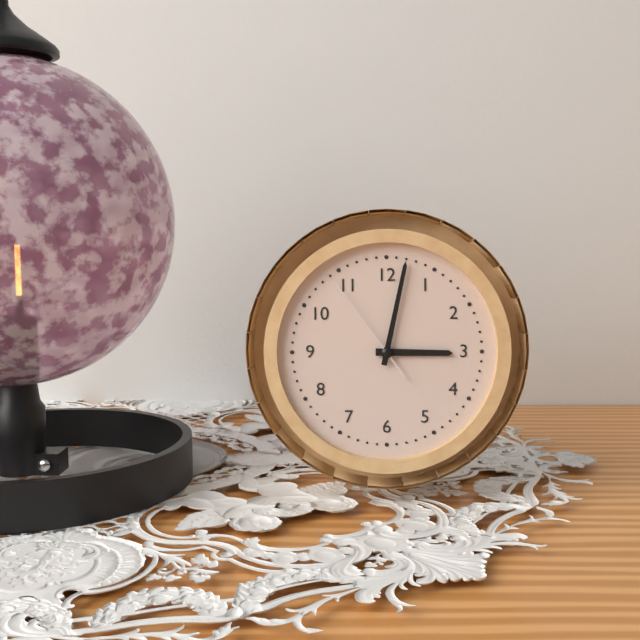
3:02:54
